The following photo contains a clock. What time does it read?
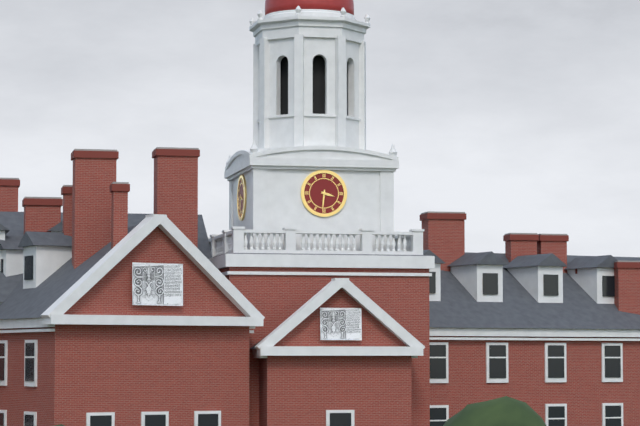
3:31
